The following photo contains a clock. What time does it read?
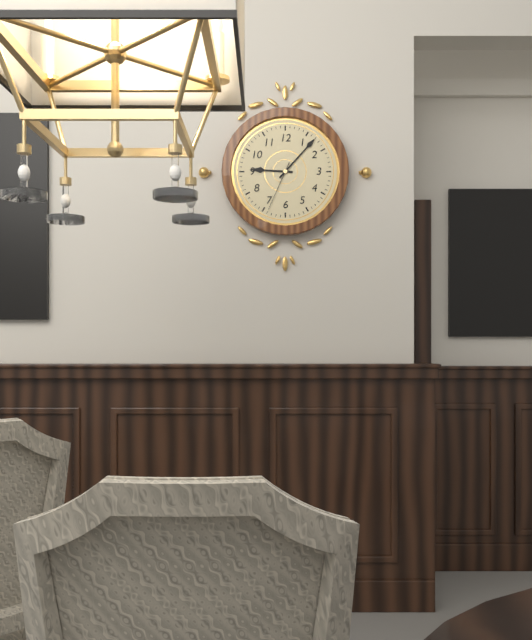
9:07:34
